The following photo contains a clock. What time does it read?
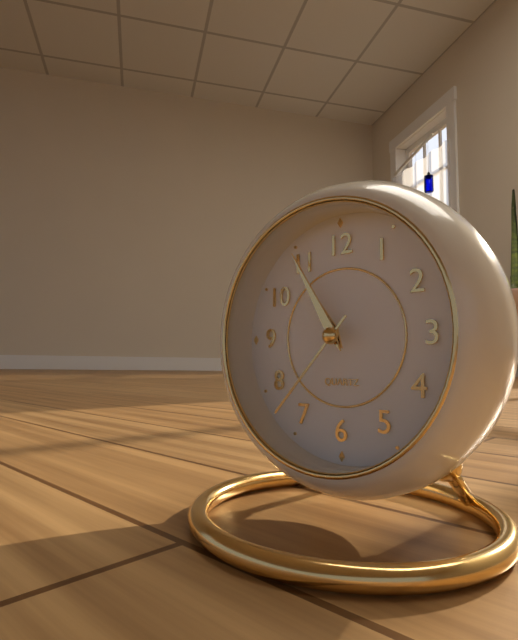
10:55:37
